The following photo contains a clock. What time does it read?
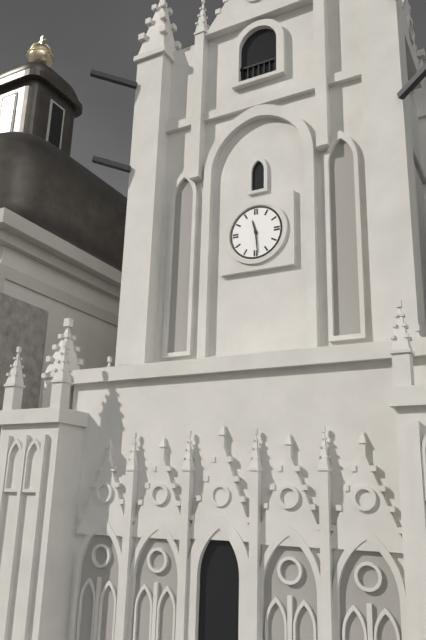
11:29
